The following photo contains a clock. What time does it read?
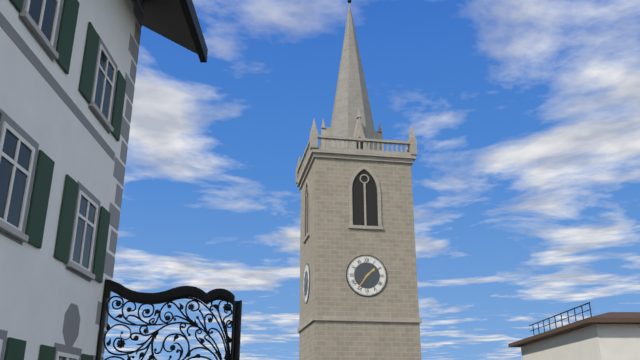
1:36
